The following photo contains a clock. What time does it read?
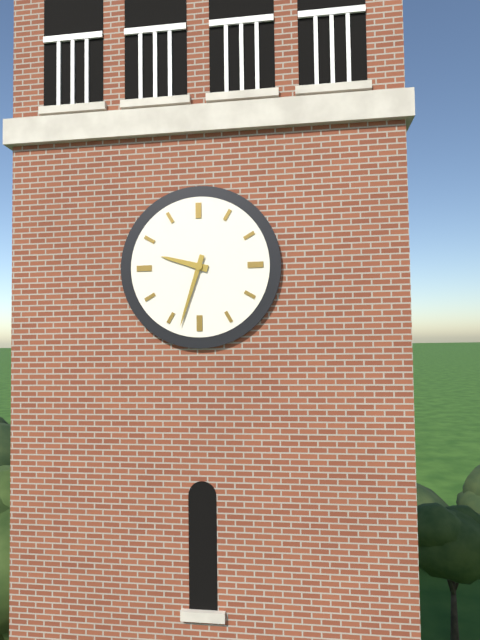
9:33
